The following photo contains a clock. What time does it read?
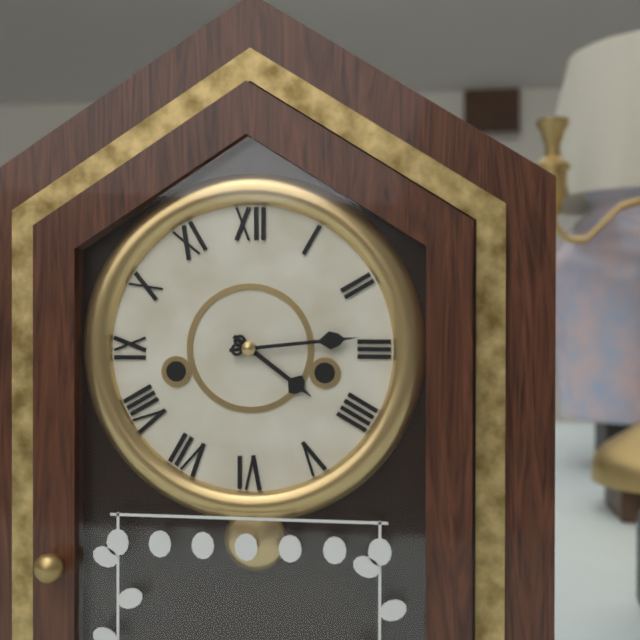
4:14
